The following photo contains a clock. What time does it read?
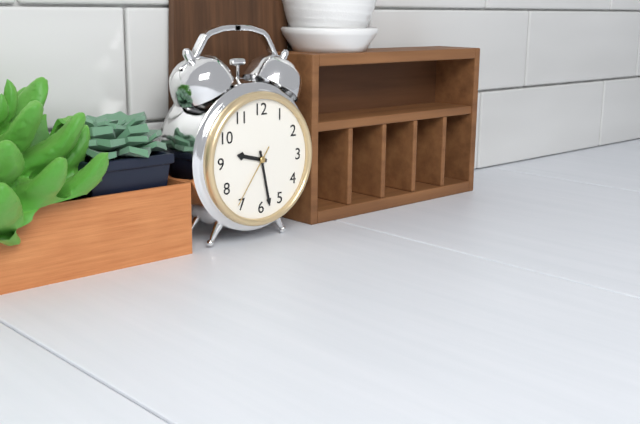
9:28:36
